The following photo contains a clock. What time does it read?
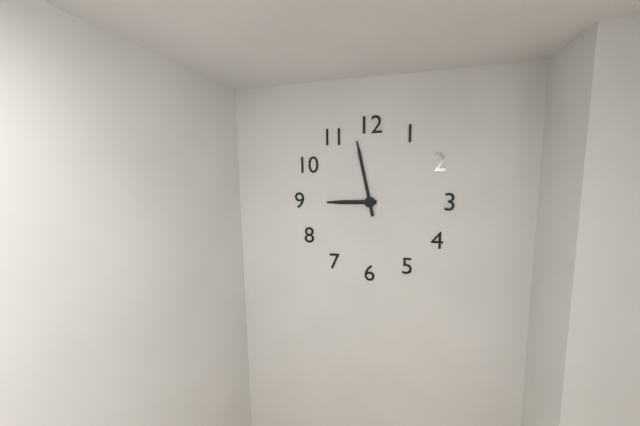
8:58
